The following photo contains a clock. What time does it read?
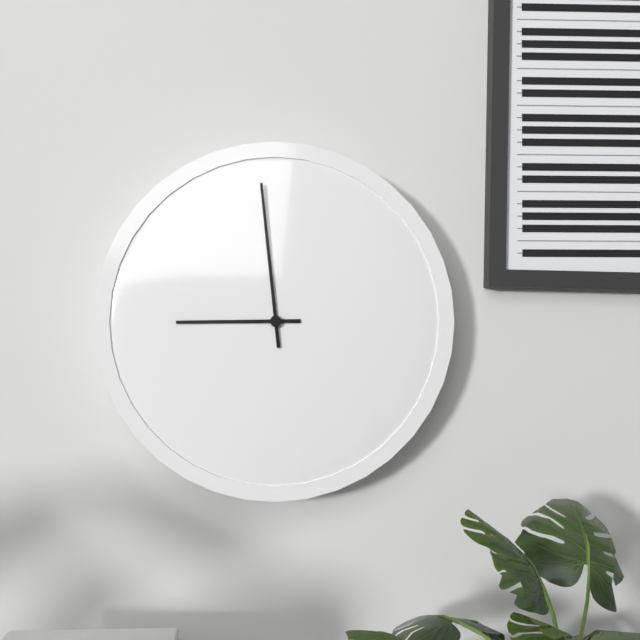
8:59
